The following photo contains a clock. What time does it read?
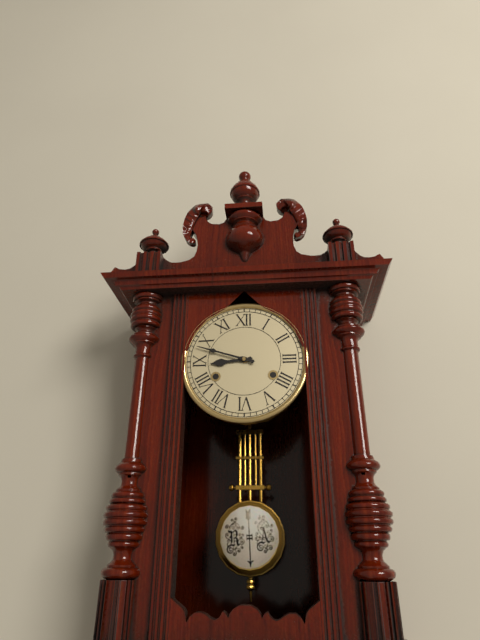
8:48
